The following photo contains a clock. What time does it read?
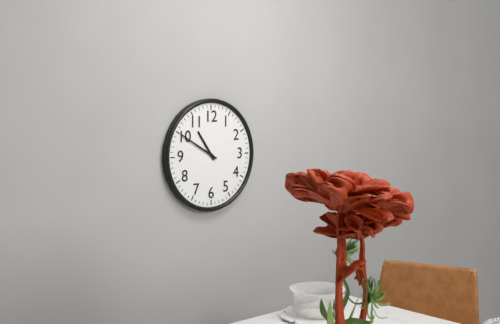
10:50
